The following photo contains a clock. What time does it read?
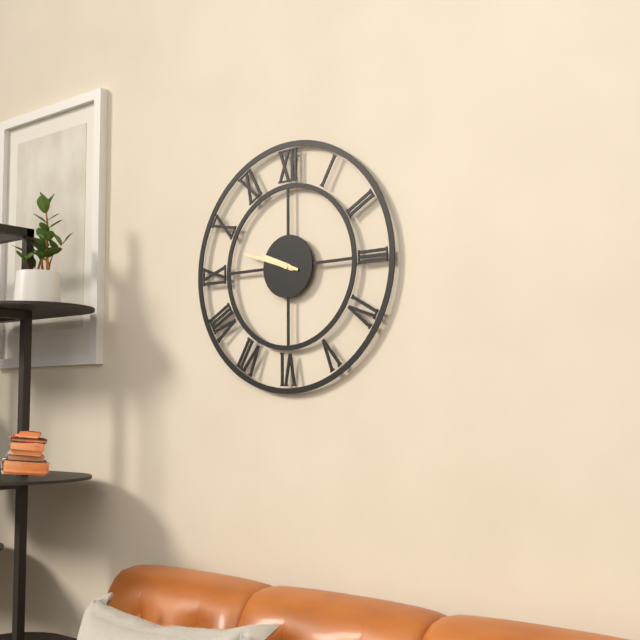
9:48
